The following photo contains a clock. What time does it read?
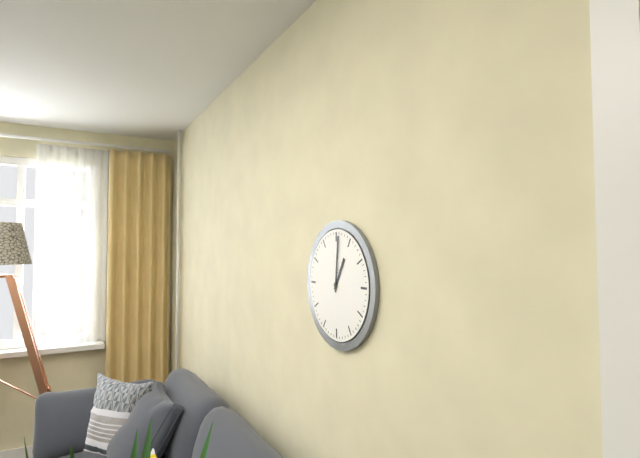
1:01
